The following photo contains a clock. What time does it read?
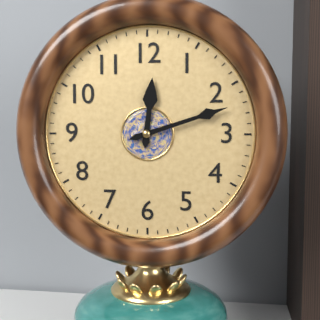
12:12
